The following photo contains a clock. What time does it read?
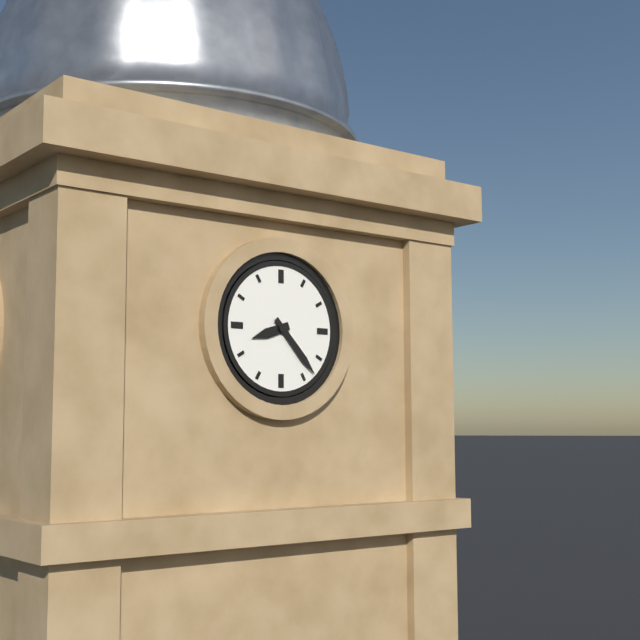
8:23
